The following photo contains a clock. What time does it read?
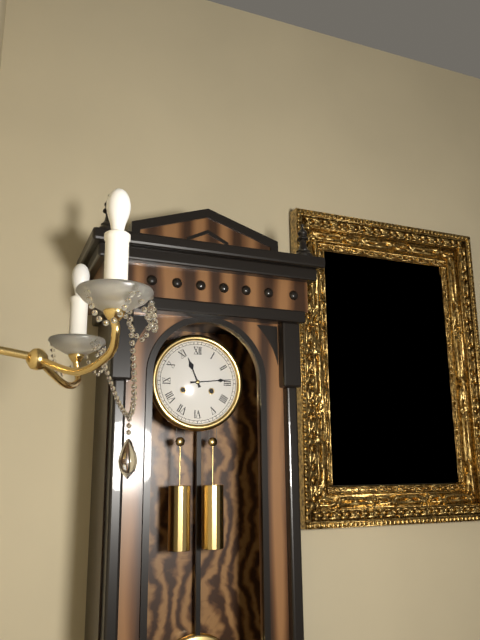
11:14
